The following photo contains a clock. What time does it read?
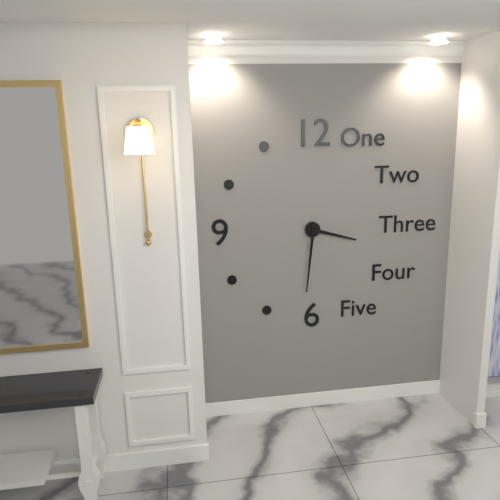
3:31
